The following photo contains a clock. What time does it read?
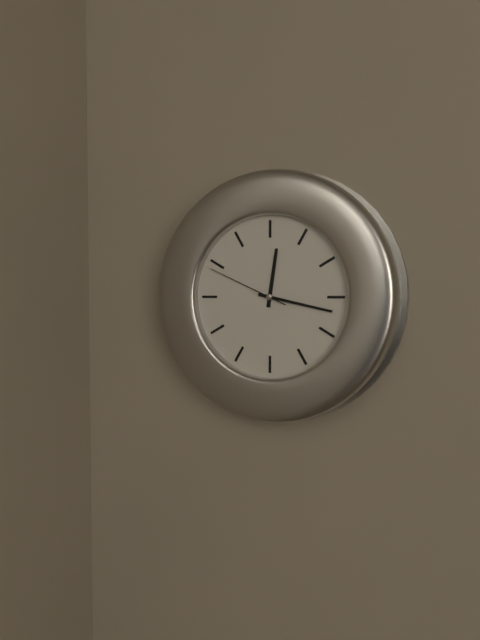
12:17:49
